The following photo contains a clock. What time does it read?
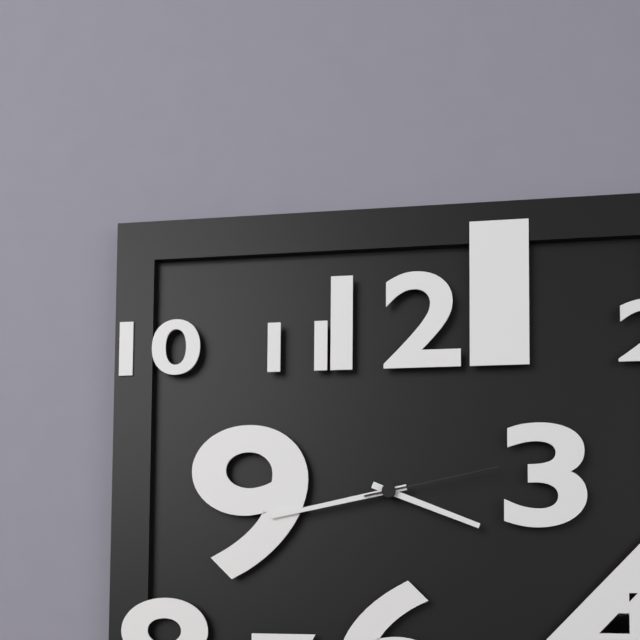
3:43:13
